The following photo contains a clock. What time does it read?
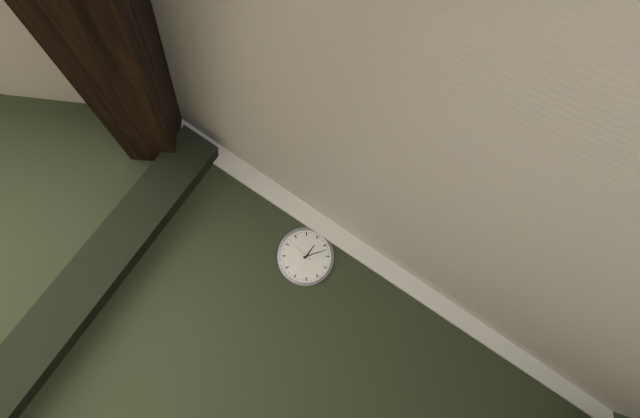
1:12
